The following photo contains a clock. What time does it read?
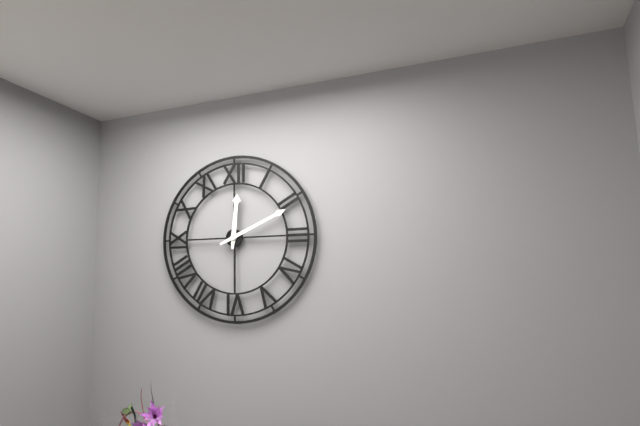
12:11
